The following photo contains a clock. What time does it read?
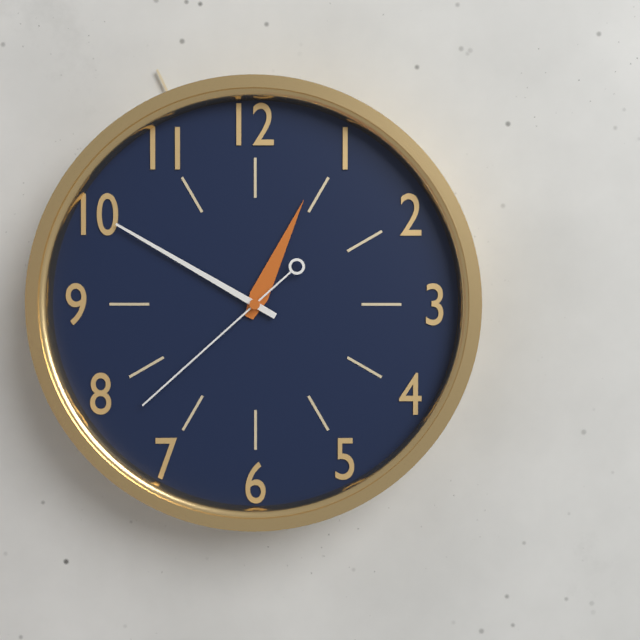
12:50:38
